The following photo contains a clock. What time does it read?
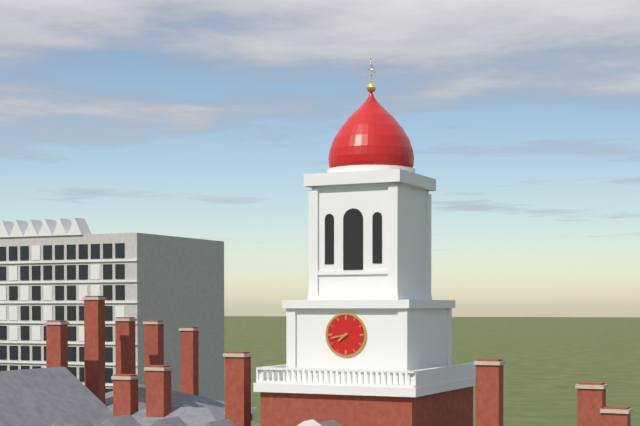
7:43
